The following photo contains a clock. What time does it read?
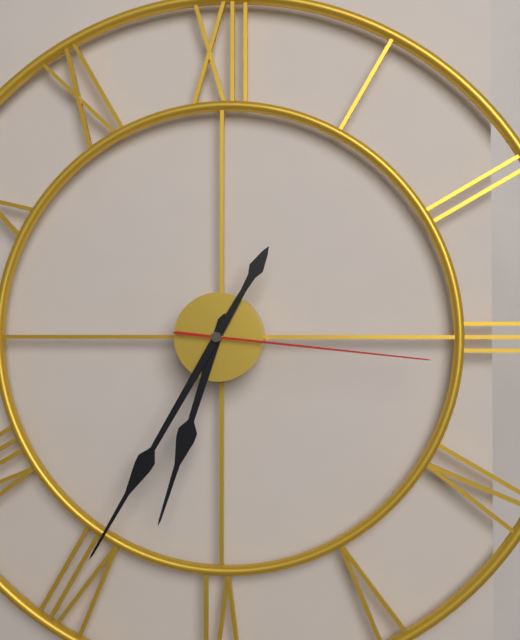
6:35:16
